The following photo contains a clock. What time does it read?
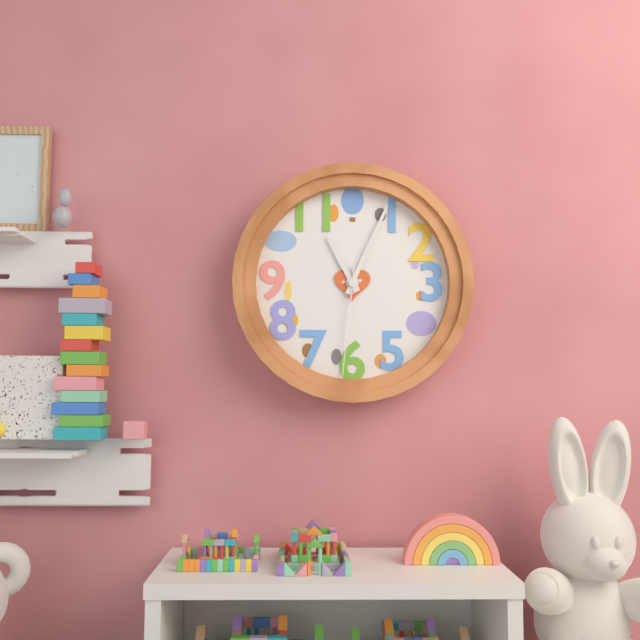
11:04:31
